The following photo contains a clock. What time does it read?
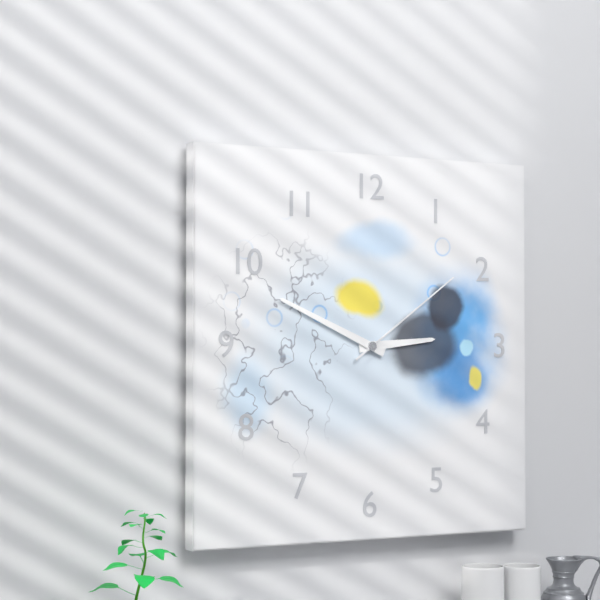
2:49:09
